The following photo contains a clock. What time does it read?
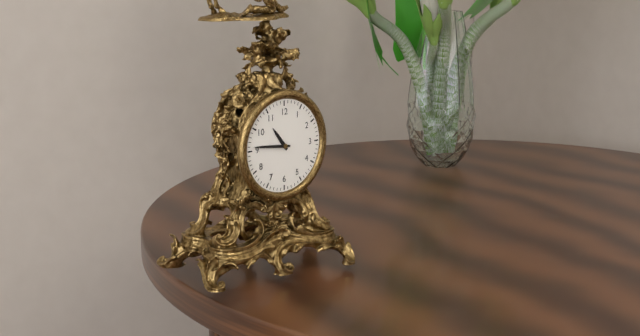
10:46
